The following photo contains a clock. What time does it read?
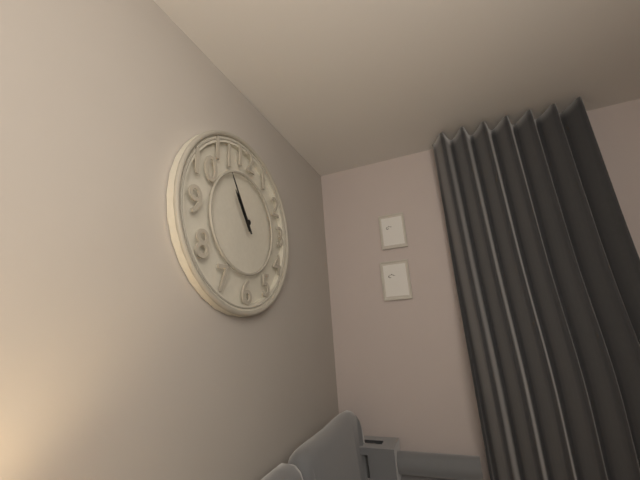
10:55
